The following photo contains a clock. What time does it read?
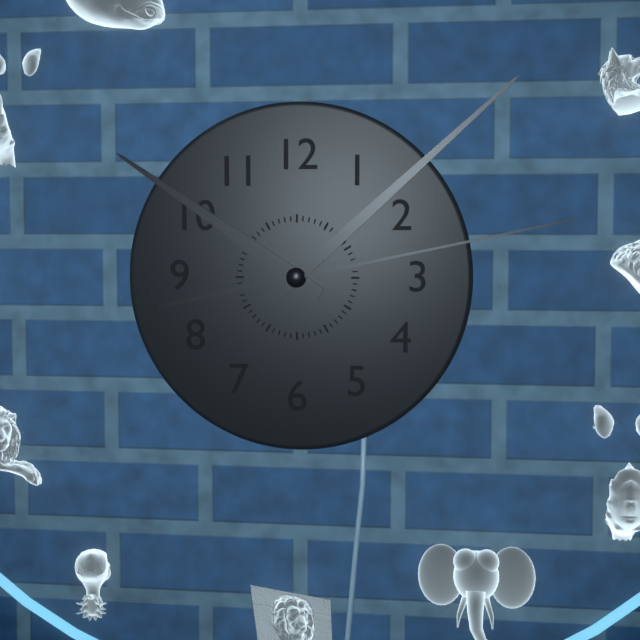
10:08:13
